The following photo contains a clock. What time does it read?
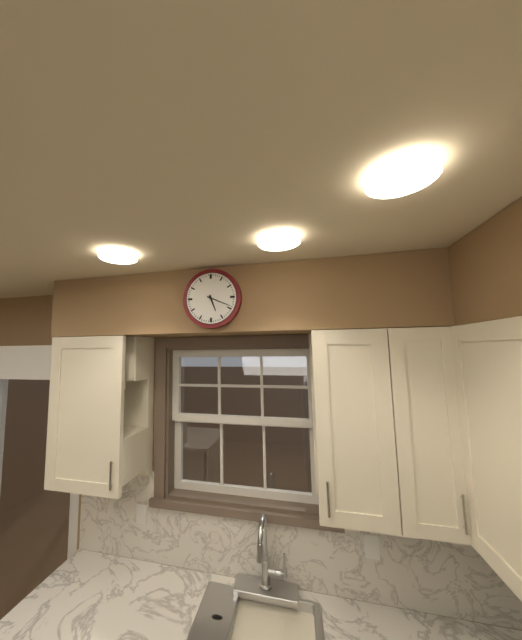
5:19
